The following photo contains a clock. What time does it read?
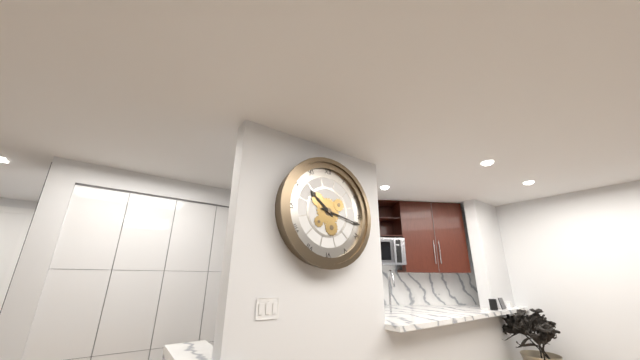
10:17
